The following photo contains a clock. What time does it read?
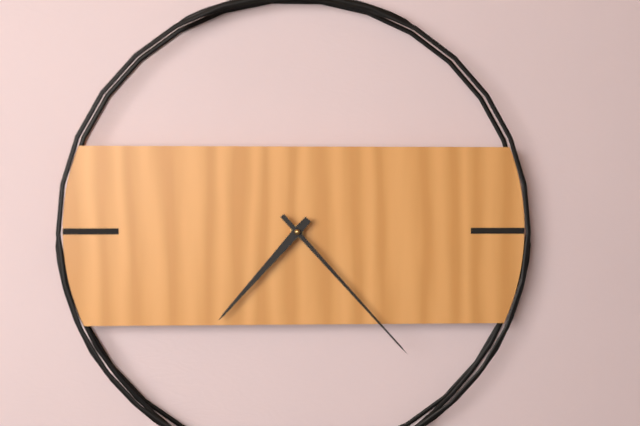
7:23
